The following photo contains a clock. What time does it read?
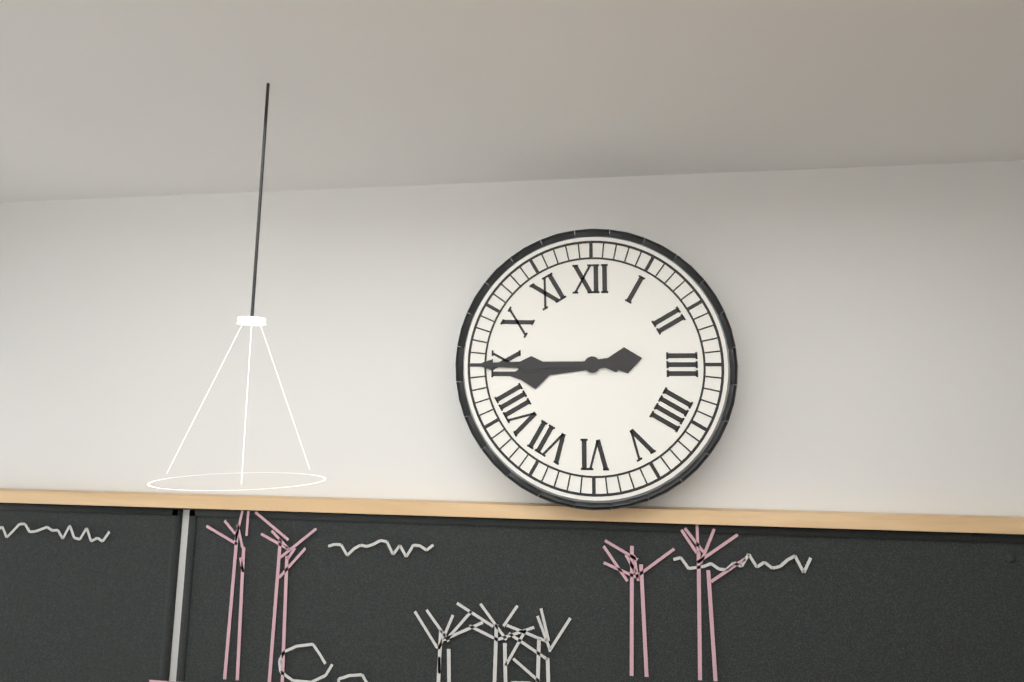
8:45
